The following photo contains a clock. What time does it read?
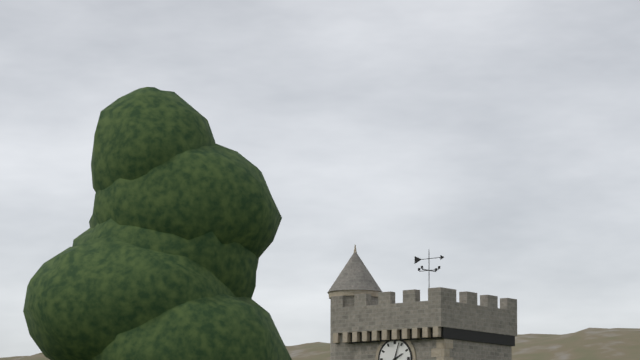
2:03
